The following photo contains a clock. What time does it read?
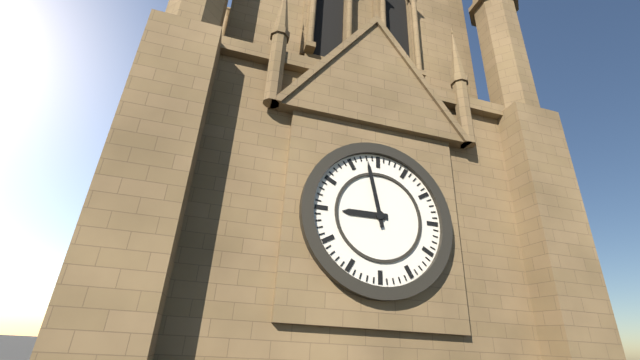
8:58
